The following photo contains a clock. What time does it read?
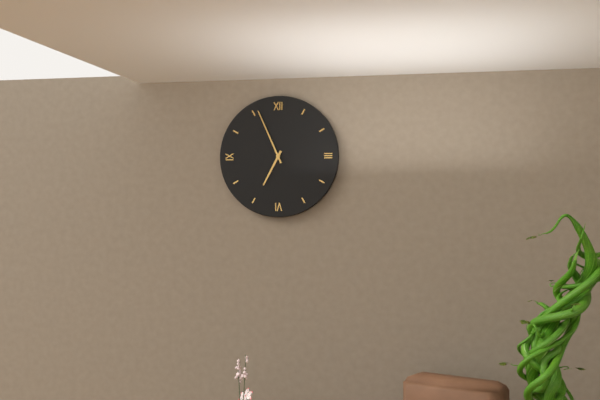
6:56
